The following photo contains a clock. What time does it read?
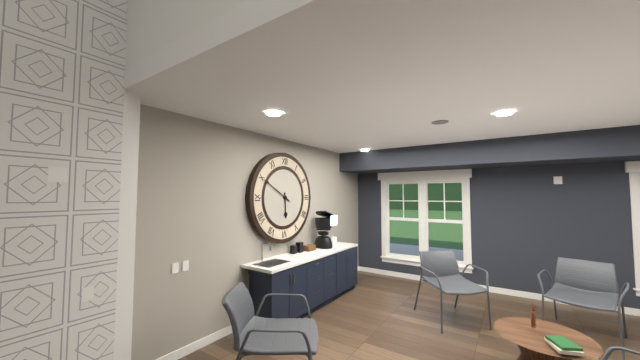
5:50
